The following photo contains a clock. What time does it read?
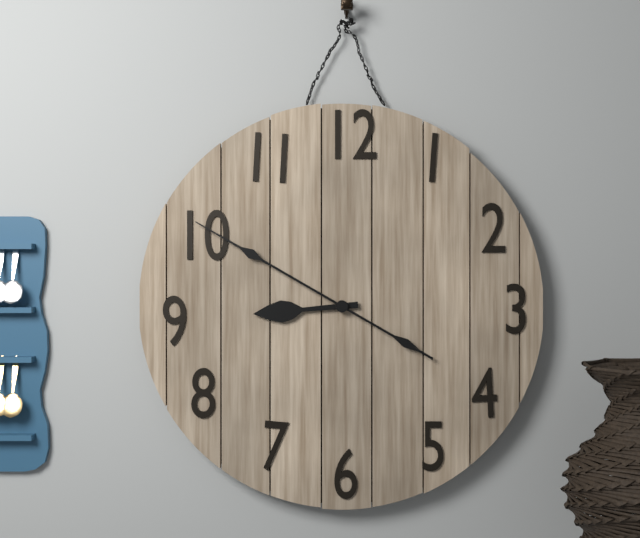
8:50
